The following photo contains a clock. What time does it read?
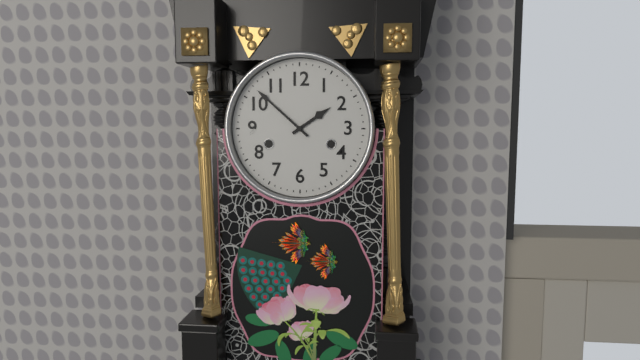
1:52
